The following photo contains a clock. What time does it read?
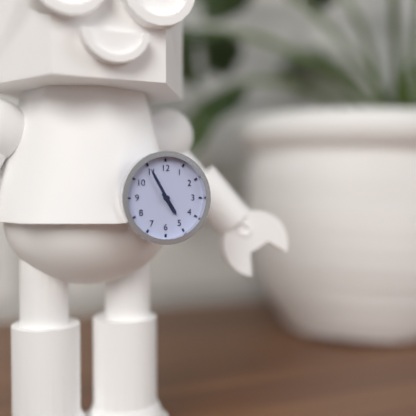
4:55
